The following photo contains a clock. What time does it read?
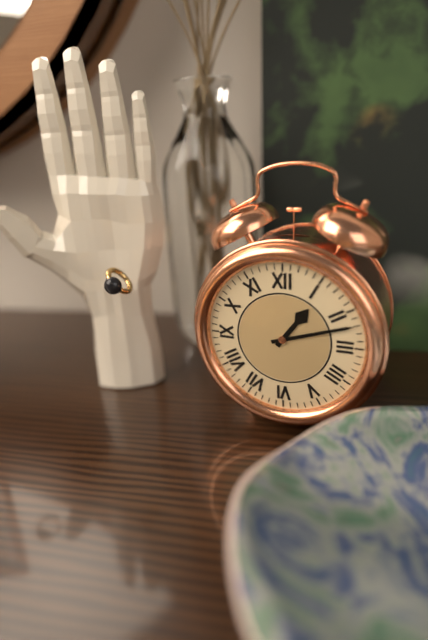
1:12
